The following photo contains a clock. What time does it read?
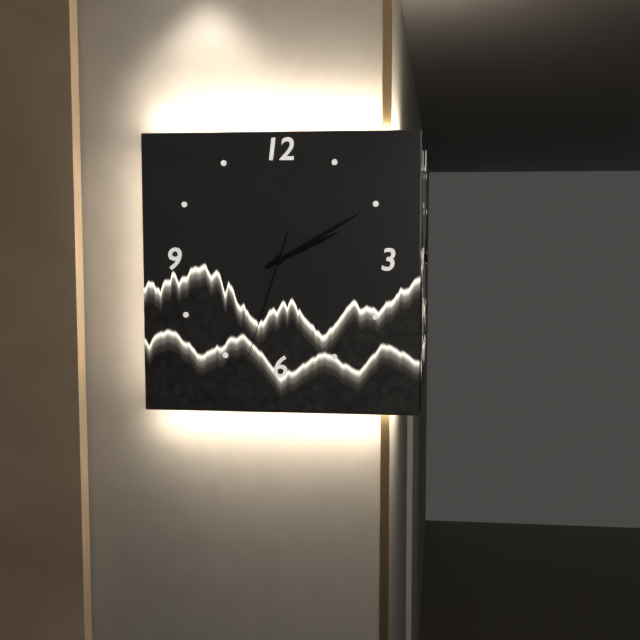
2:10:33
